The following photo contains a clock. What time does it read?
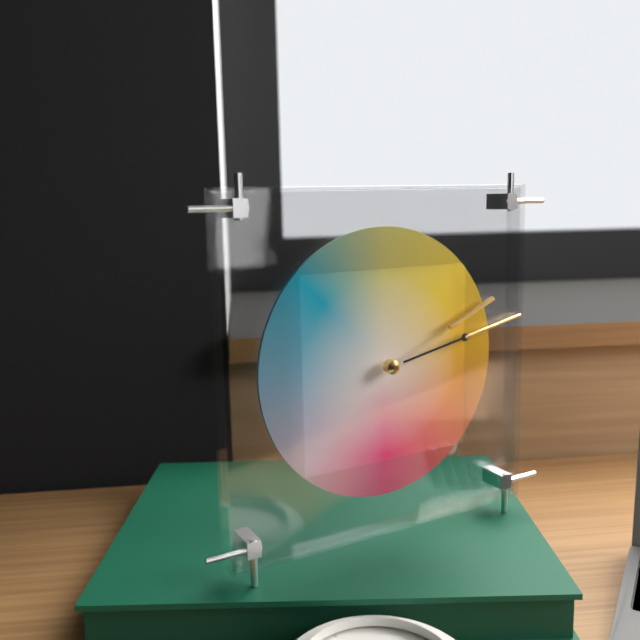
2:13
